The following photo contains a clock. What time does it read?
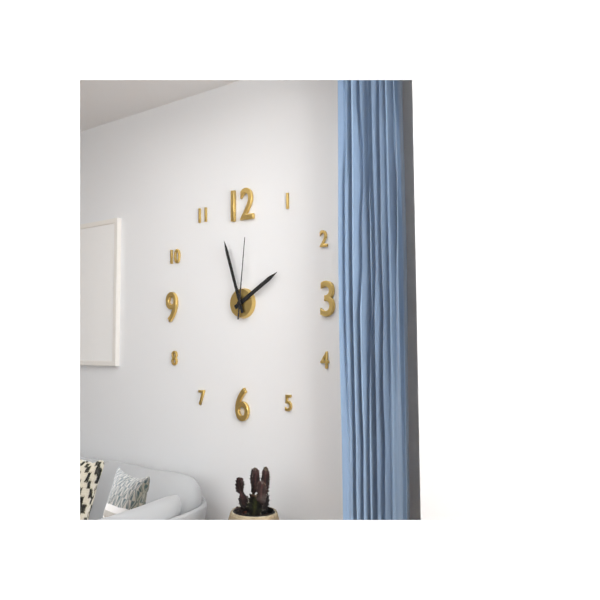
1:57:01
